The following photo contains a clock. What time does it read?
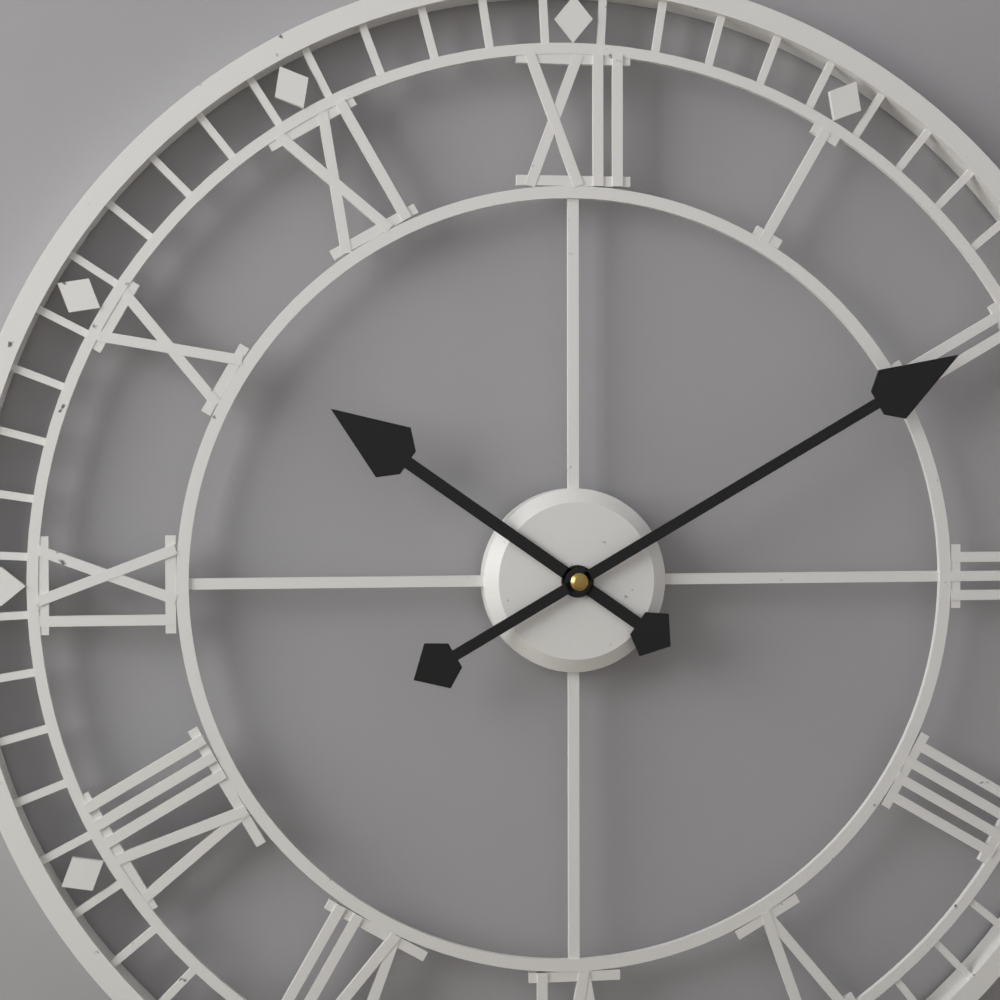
10:10
